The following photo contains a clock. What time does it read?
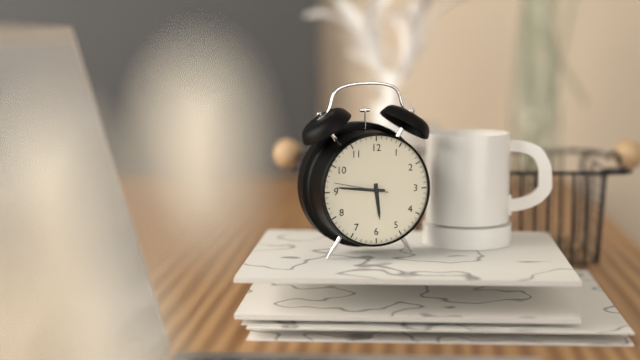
5:46
